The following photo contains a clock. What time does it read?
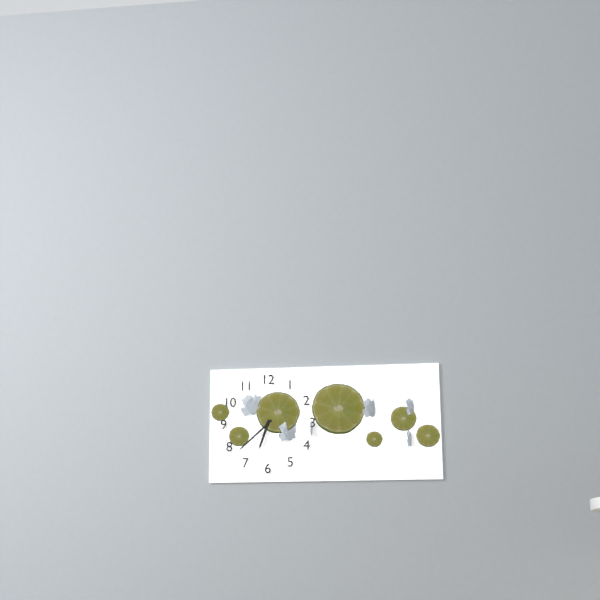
6:38
